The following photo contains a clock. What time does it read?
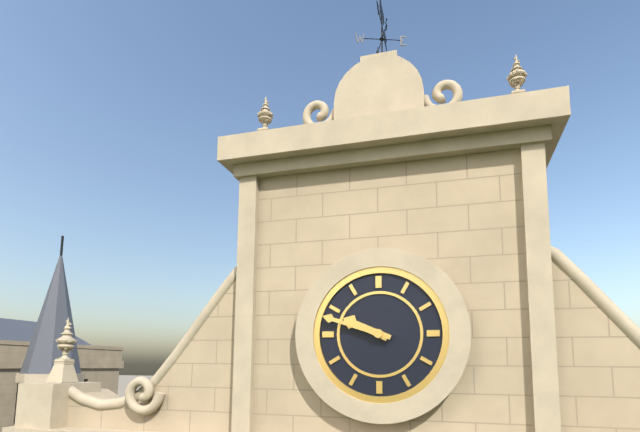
9:48
